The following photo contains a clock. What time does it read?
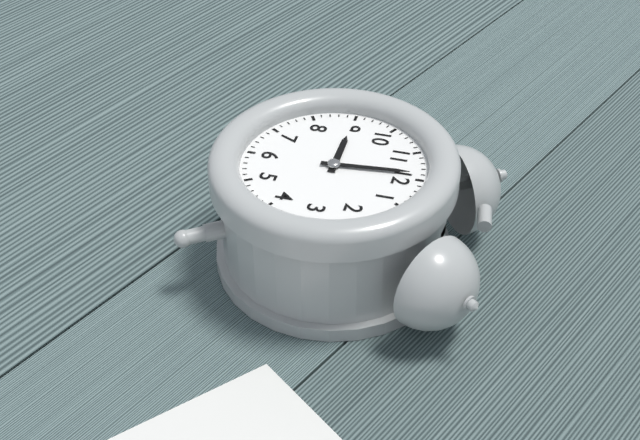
8:59
